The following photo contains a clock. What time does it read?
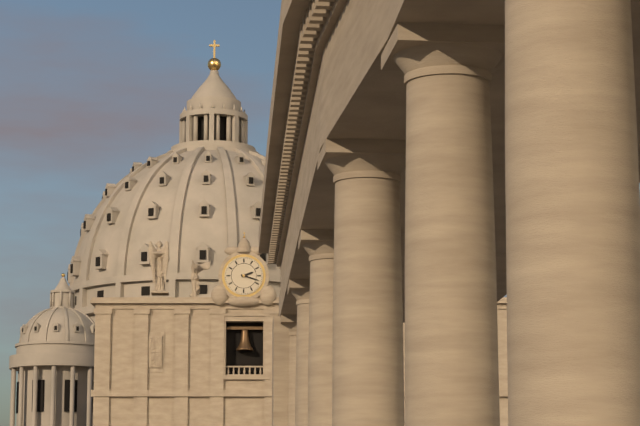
2:18
